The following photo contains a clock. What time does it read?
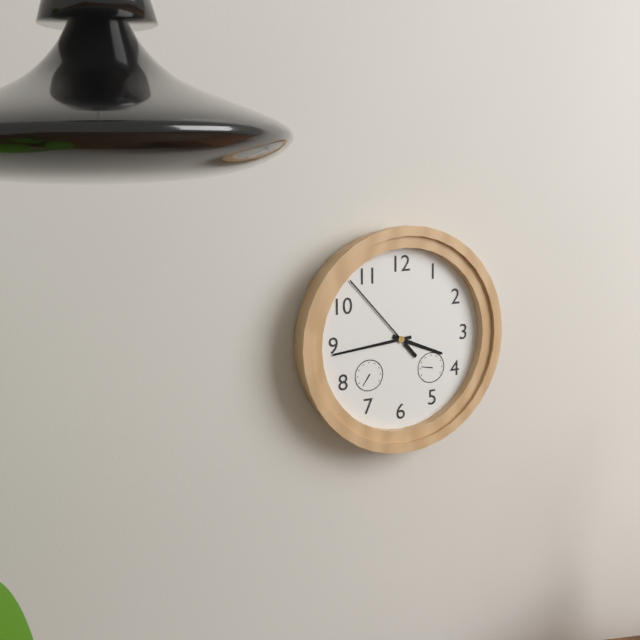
3:44:53
